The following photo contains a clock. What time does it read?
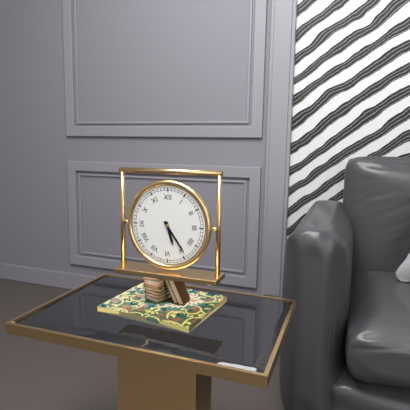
5:24
